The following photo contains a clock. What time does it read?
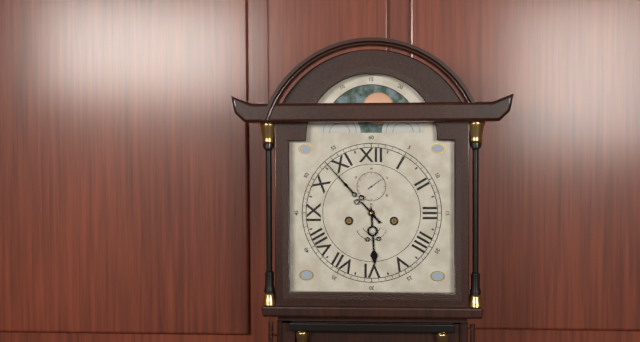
5:53
